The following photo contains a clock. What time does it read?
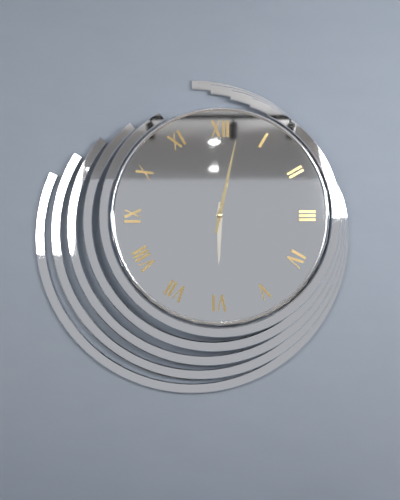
6:02
